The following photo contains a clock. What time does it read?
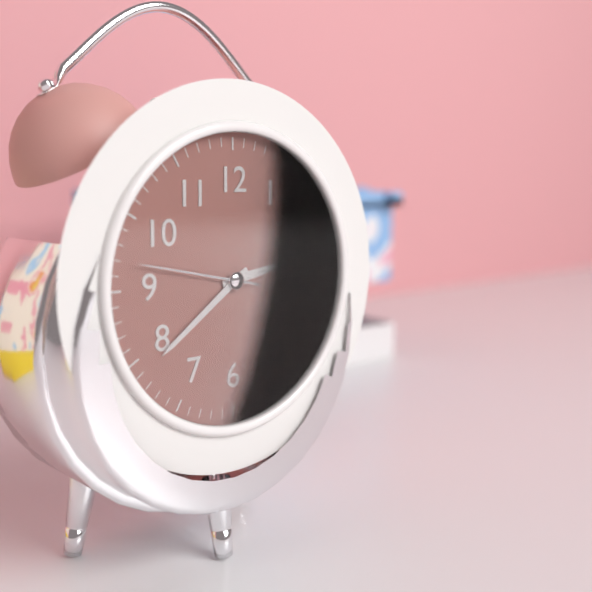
2:39:47
